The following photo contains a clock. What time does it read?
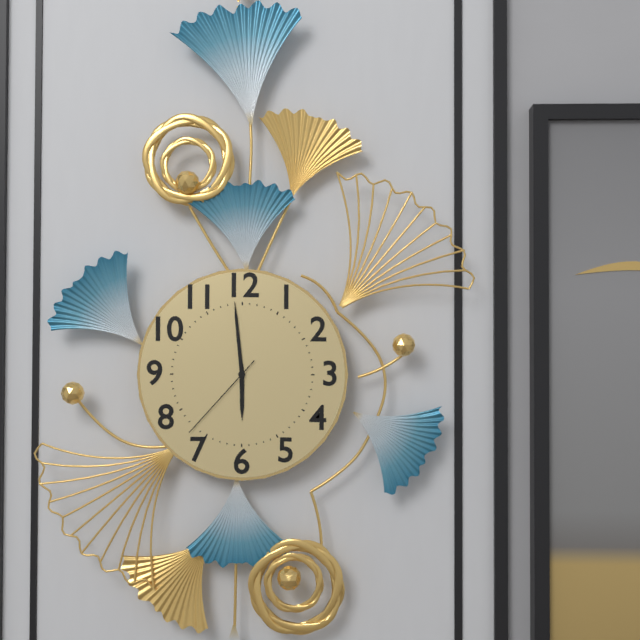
5:59:37
